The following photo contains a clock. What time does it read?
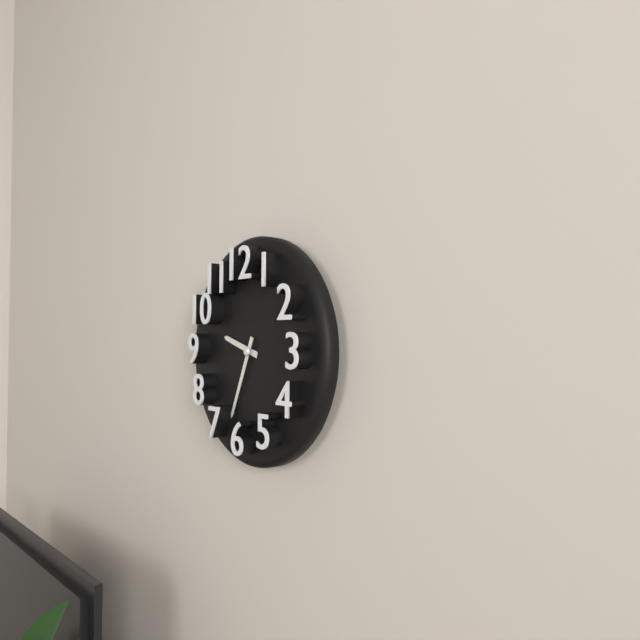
9:34
